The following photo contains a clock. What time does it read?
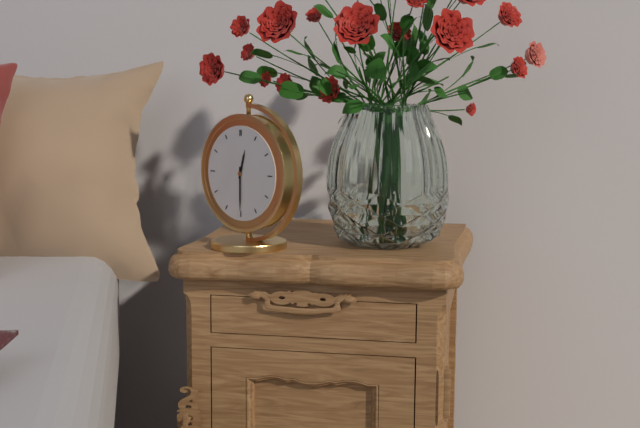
12:30
